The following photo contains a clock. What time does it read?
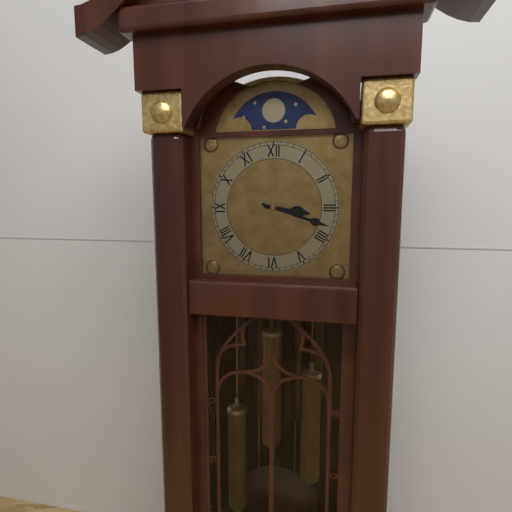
3:18
